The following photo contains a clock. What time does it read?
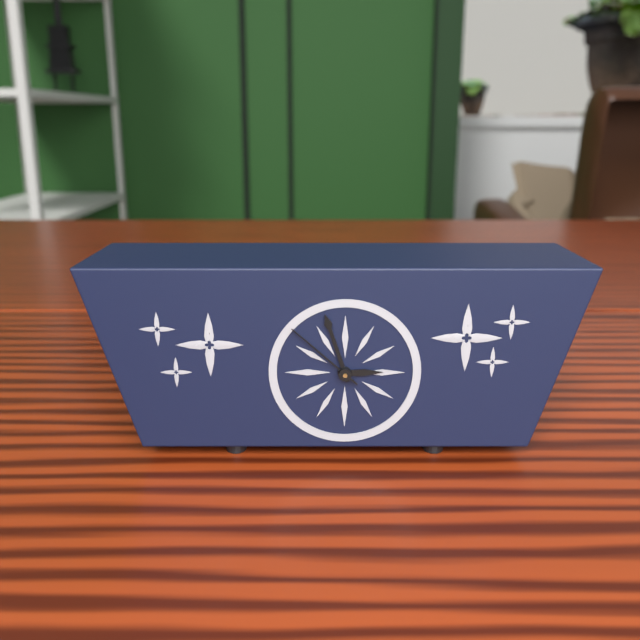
2:57:52
